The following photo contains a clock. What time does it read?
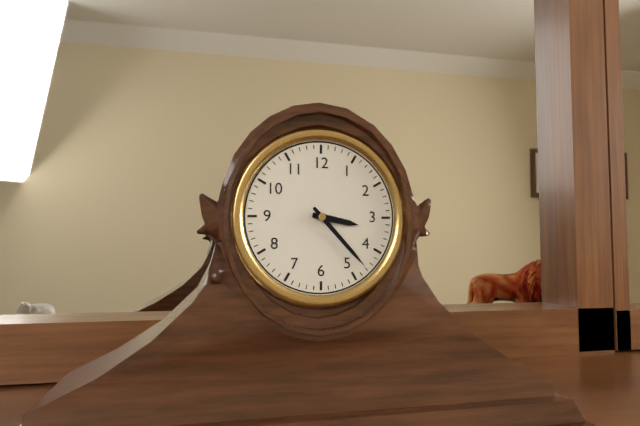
3:23
